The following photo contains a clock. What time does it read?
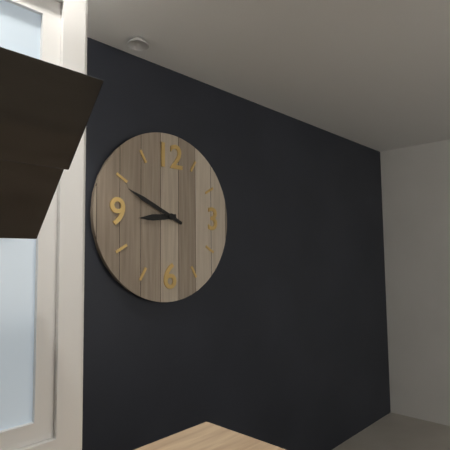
8:49
